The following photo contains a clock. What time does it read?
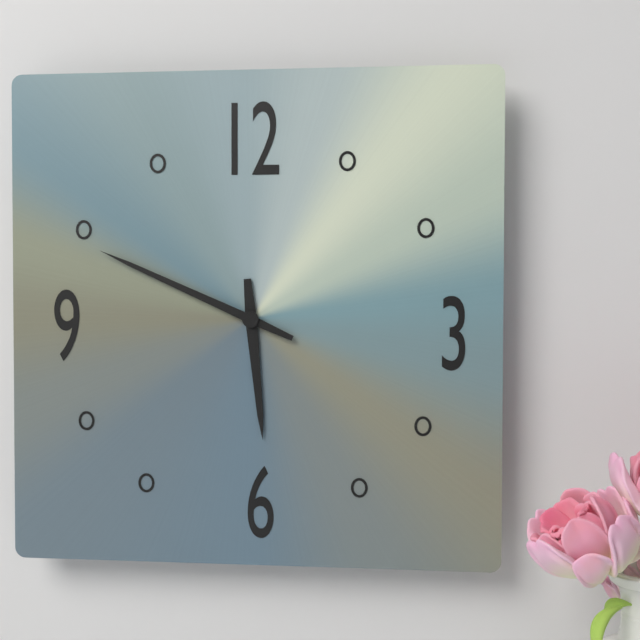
5:49
